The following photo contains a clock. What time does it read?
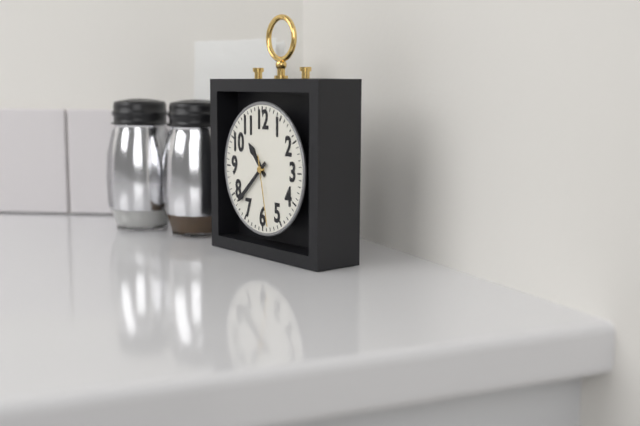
10:38:28
